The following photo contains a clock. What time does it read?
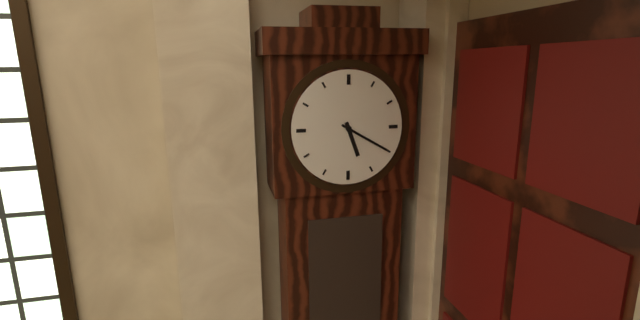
5:20
